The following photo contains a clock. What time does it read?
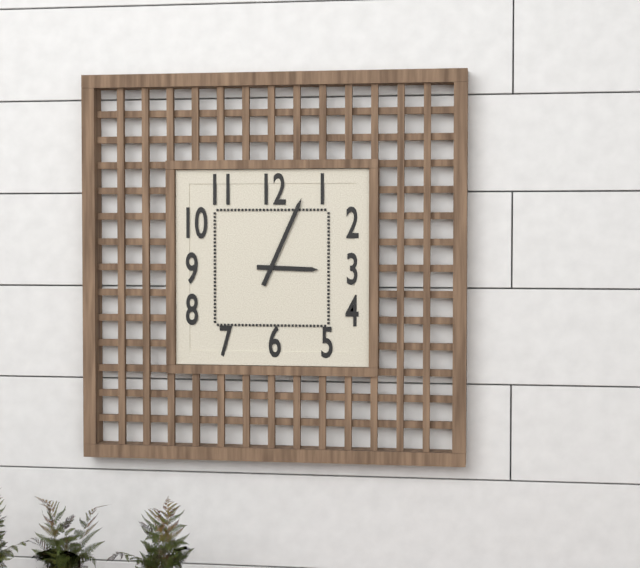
3:04
